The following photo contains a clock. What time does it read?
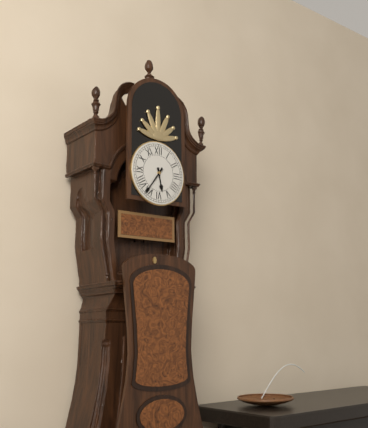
5:36
